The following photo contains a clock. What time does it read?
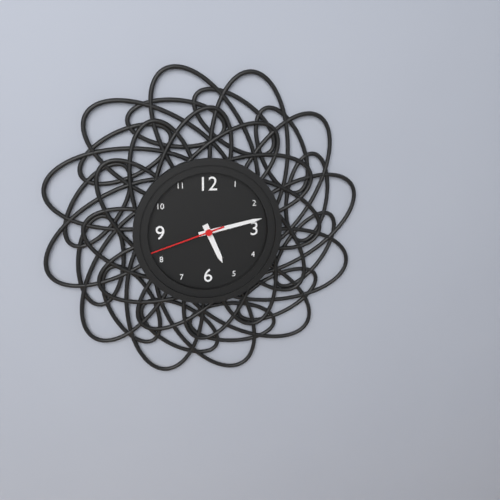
5:13:42
